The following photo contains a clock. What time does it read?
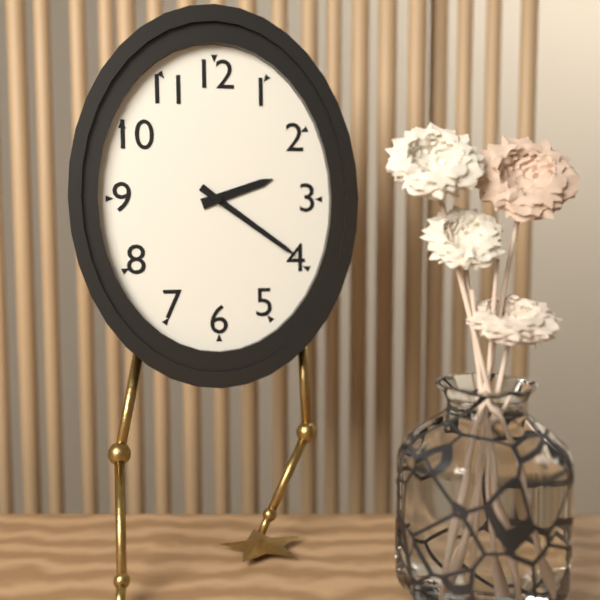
2:21
